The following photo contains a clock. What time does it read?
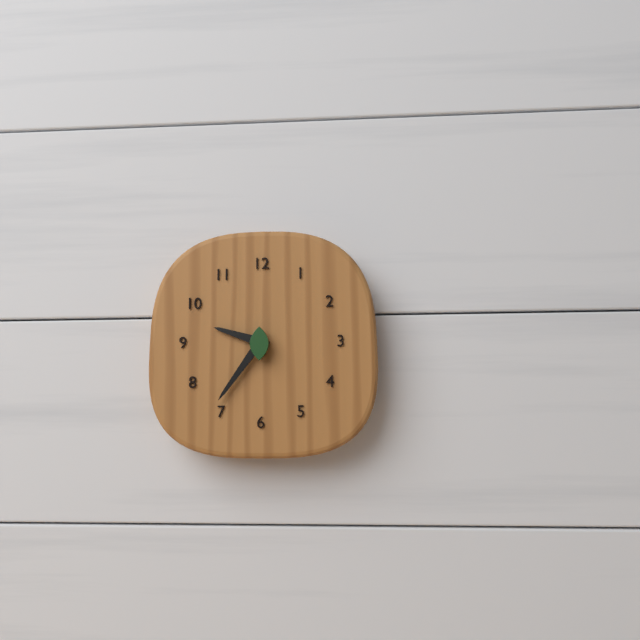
9:36
